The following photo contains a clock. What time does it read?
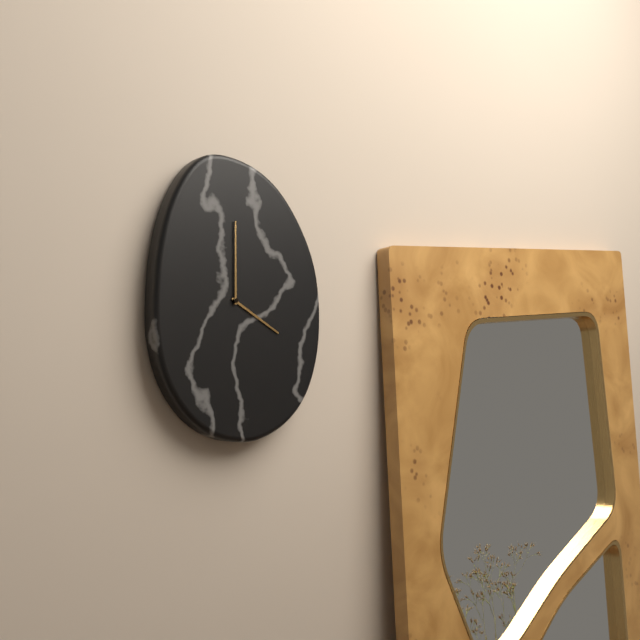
4:00
